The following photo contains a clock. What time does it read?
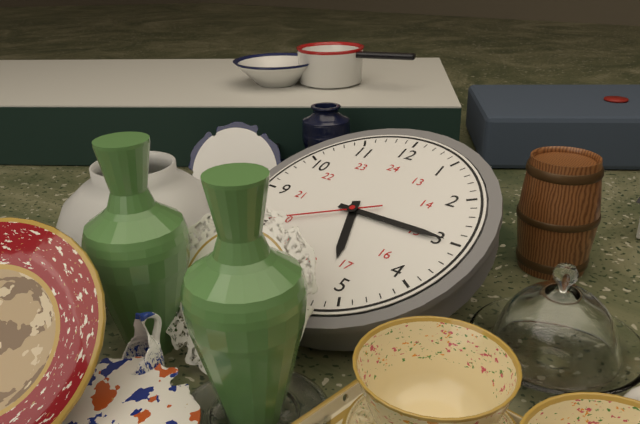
5:15
